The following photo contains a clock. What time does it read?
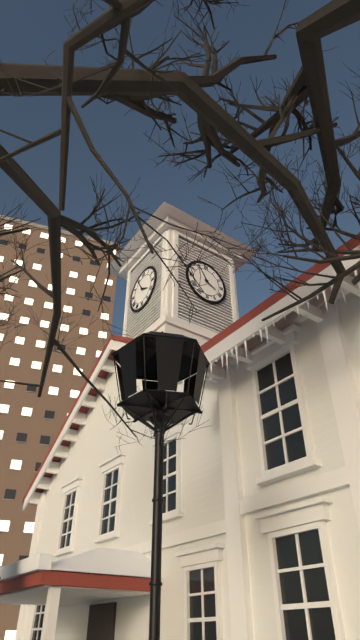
3:55
